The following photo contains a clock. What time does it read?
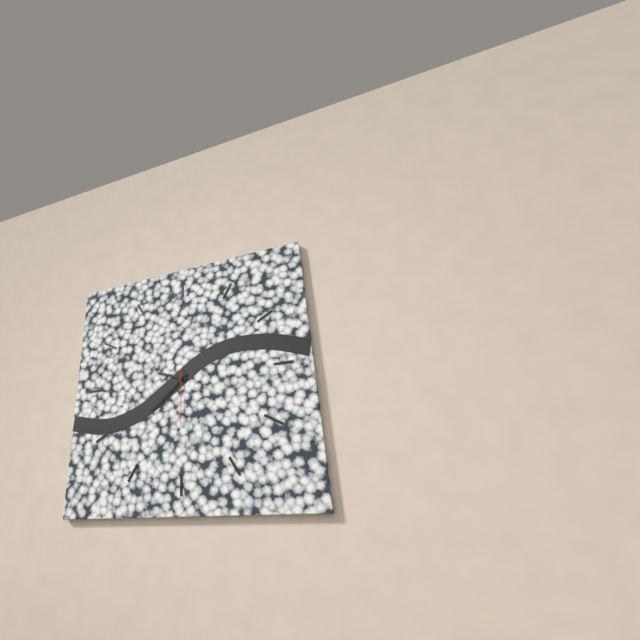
9:38:30
